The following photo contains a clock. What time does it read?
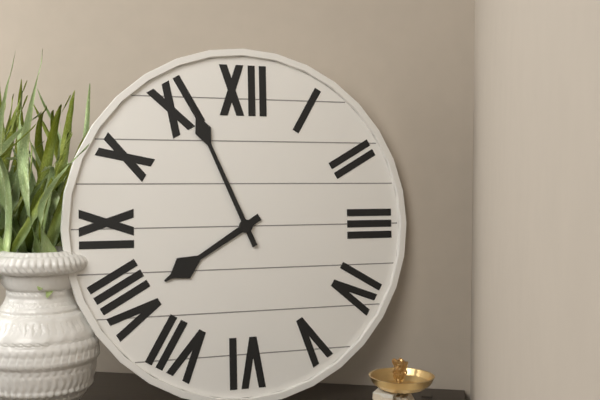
7:56
